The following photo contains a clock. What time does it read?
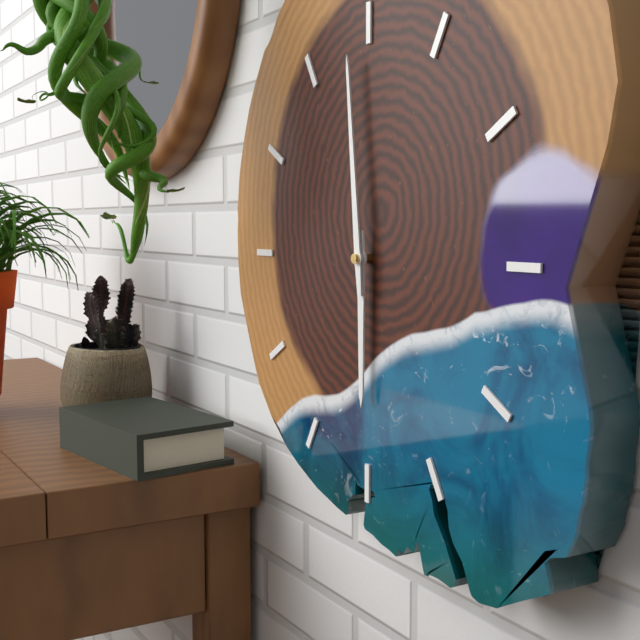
5:59
